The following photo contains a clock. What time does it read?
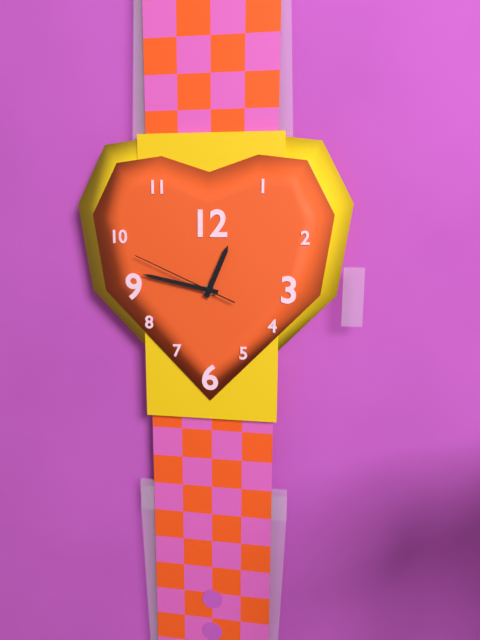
12:47:49
